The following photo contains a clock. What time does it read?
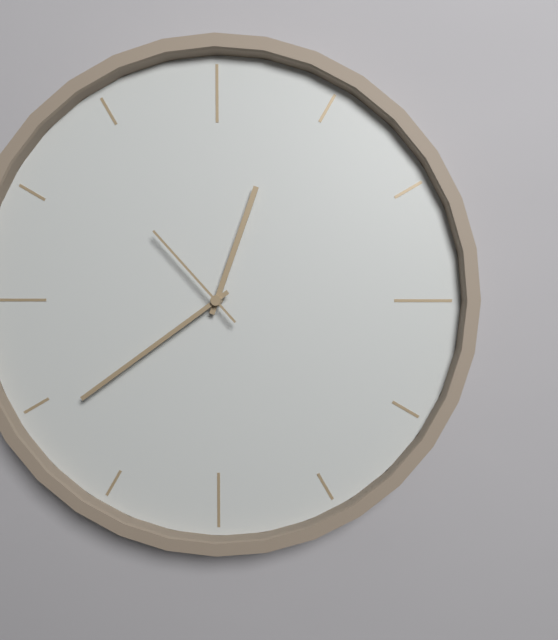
12:39:53
